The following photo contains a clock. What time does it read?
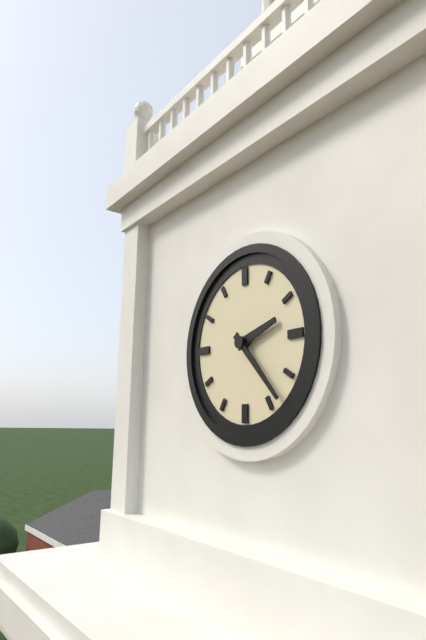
2:23
